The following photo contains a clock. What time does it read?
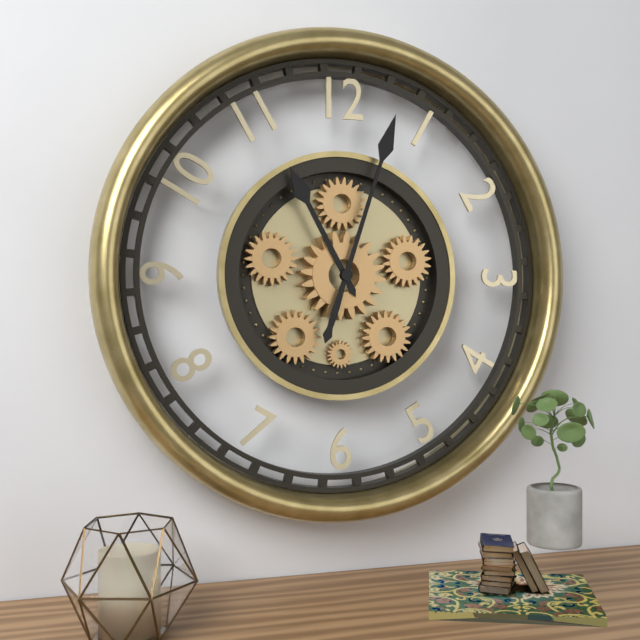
11:03
